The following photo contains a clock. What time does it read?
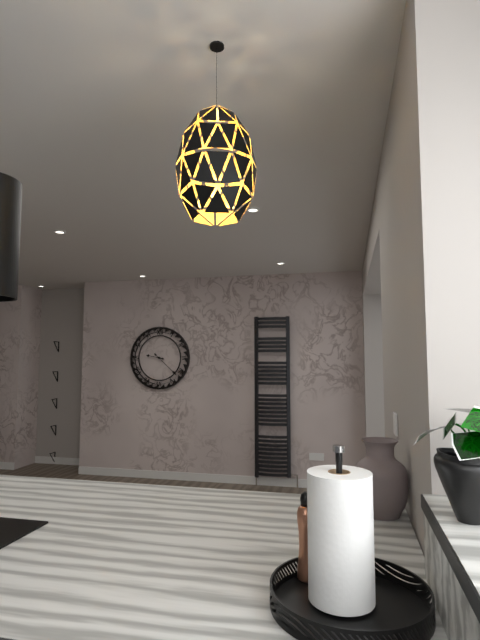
9:22
